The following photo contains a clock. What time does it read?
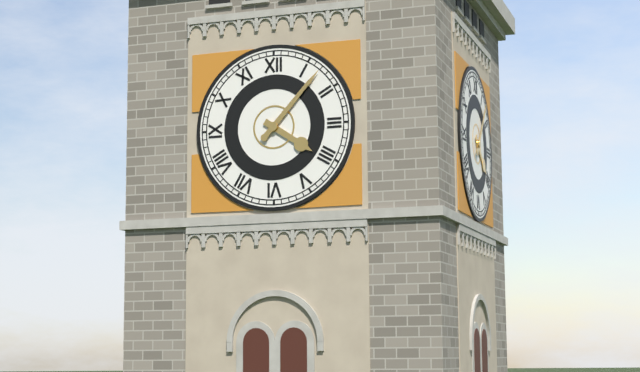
4:07
